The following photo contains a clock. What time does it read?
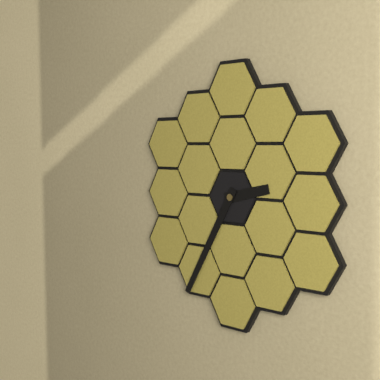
2:35
